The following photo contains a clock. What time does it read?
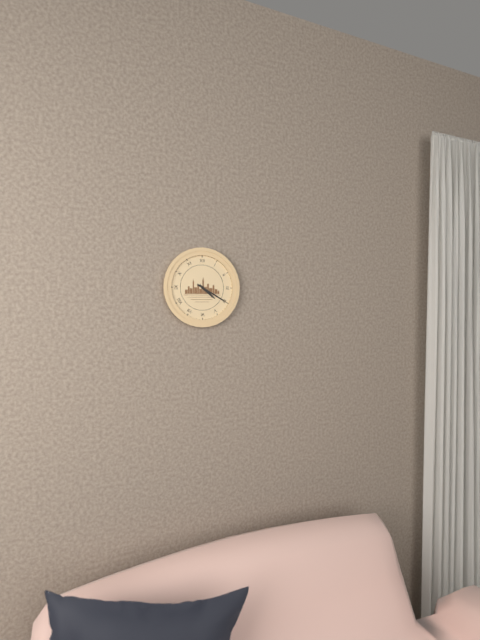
4:20
